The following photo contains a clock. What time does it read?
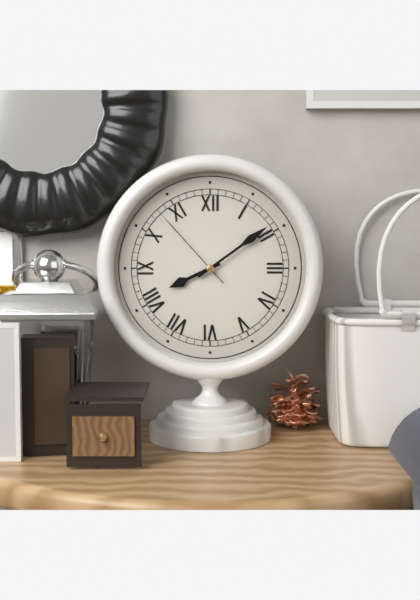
8:09:53
